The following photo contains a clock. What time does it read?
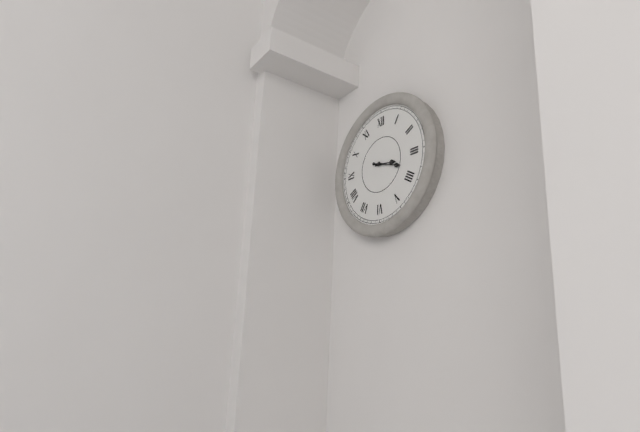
3:18
